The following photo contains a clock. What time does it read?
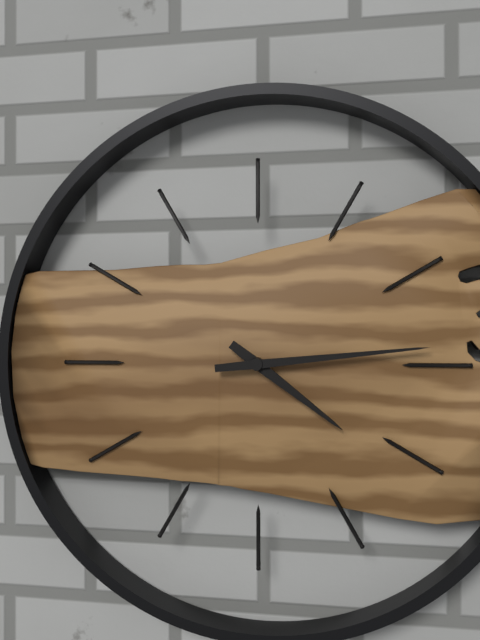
4:14
